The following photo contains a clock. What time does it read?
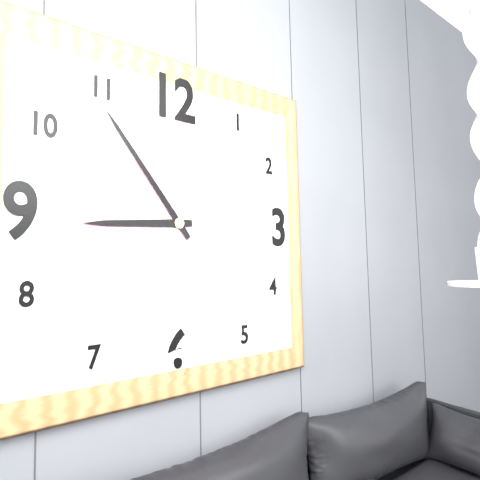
8:54
